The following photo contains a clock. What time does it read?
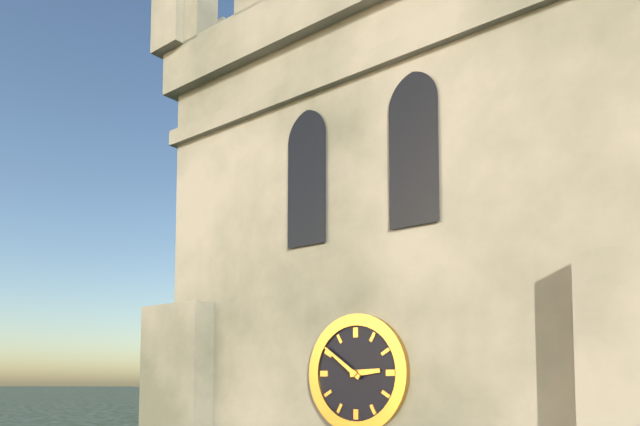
2:51
